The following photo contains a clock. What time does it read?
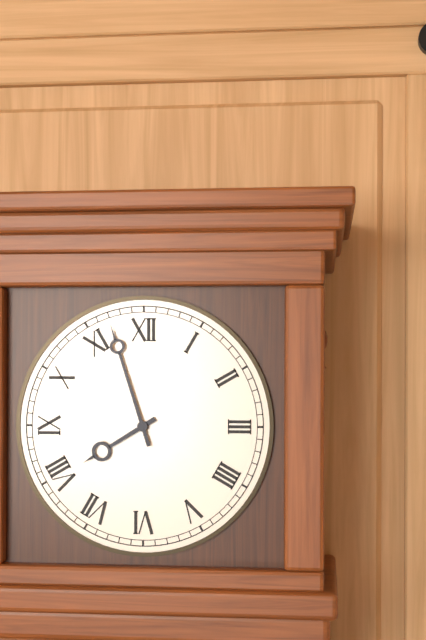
7:57
